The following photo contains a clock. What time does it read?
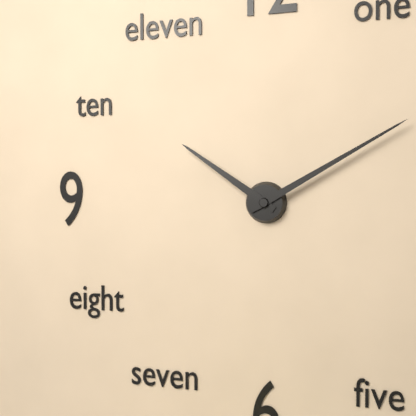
10:10
